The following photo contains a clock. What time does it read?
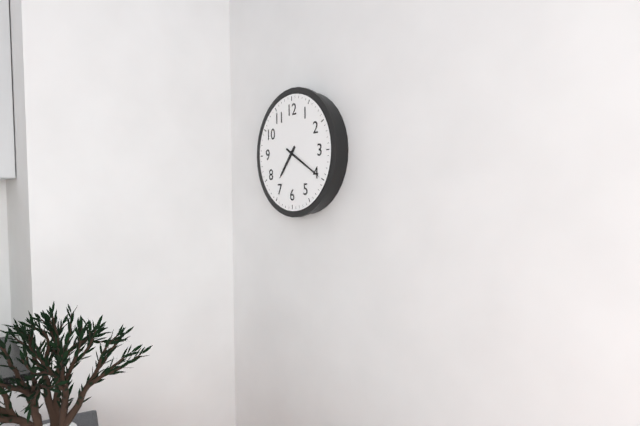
7:20
